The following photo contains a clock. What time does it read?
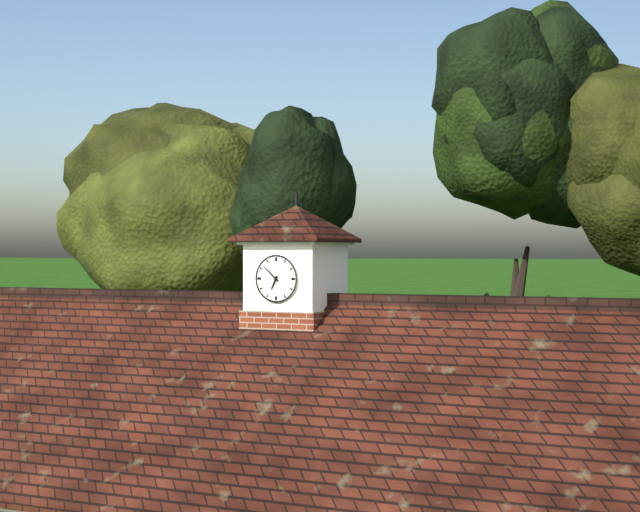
6:52
